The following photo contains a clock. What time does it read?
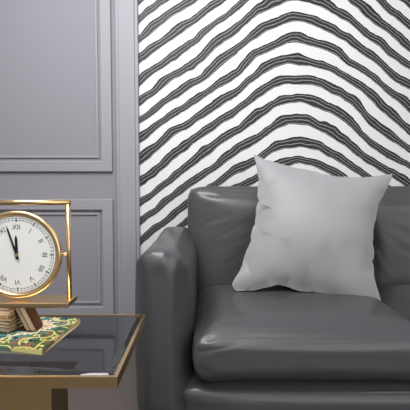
11:57
